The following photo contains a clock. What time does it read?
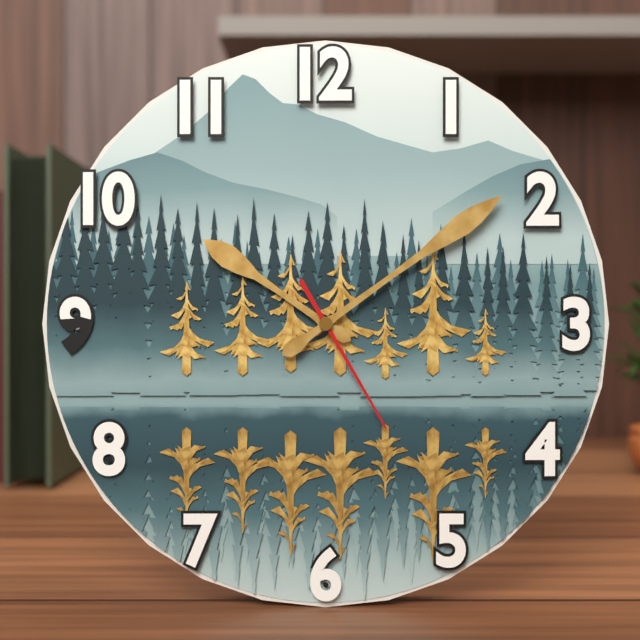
10:09:25
